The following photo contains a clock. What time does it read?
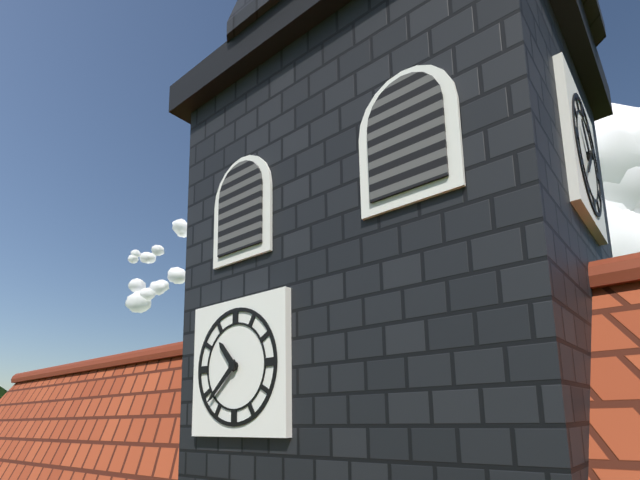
10:38
